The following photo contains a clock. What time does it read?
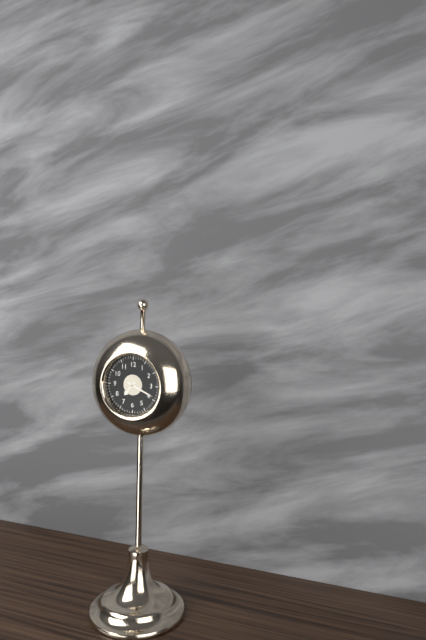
7:19
